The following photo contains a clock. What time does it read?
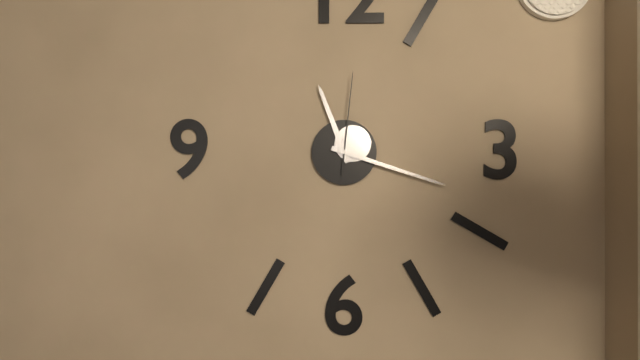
11:18:01
